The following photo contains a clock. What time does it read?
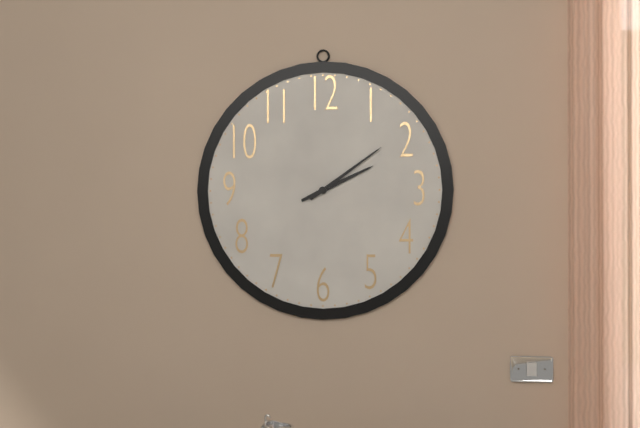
2:09
